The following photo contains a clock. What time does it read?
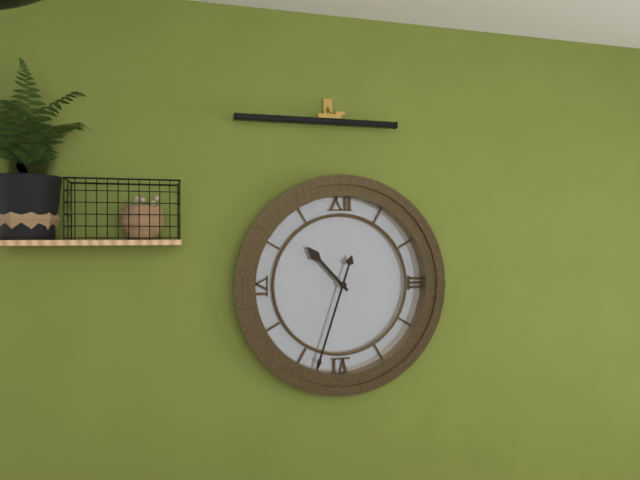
10:33
